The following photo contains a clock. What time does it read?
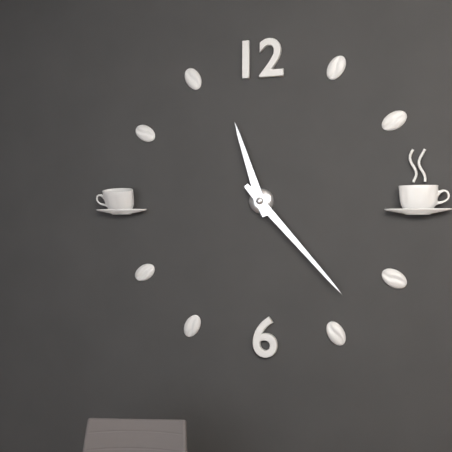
11:23
